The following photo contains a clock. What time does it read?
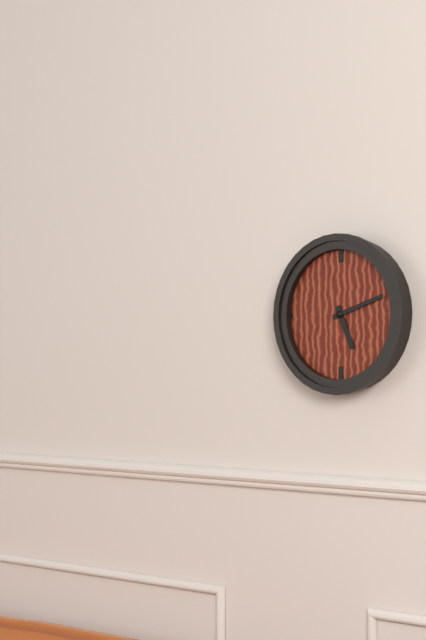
5:12
